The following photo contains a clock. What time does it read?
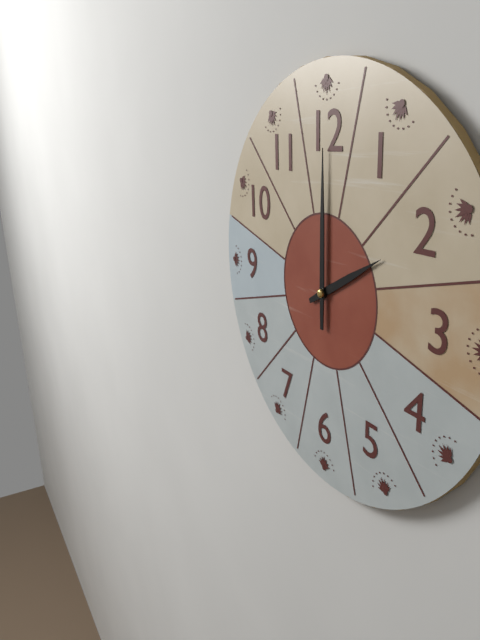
2:00
